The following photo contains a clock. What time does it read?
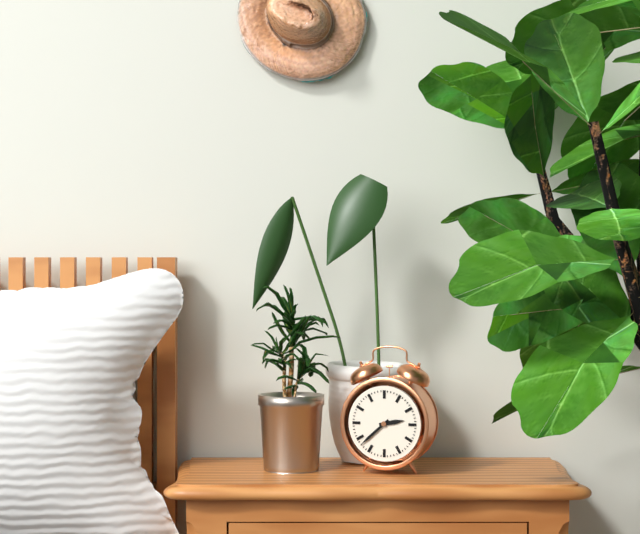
2:38
